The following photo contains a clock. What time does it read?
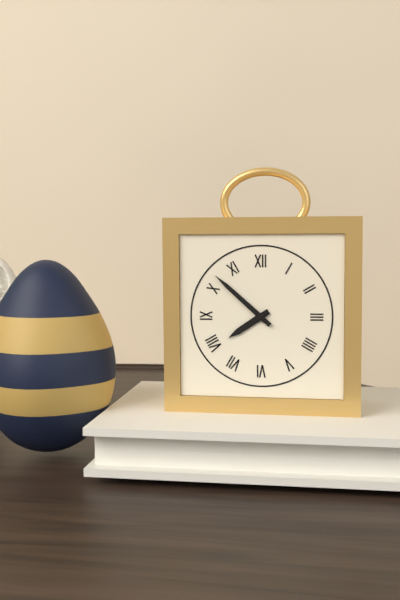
7:52
